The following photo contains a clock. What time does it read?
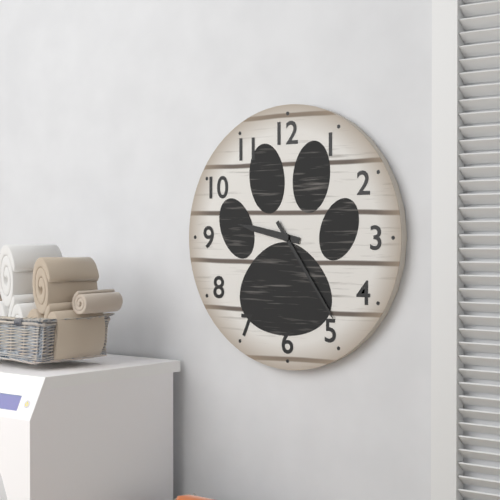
9:24
